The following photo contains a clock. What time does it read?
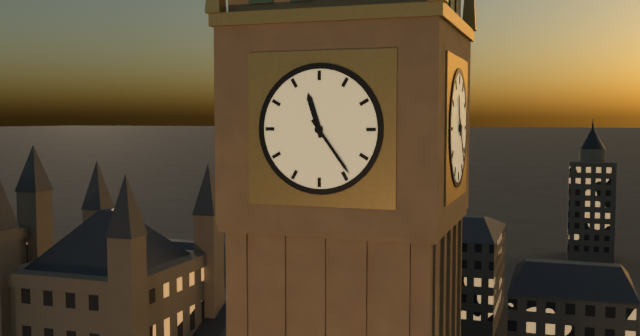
11:24
